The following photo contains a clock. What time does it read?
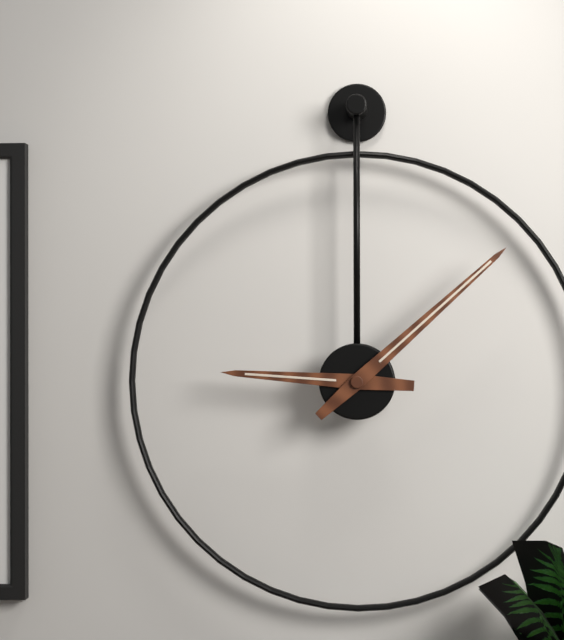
9:08
